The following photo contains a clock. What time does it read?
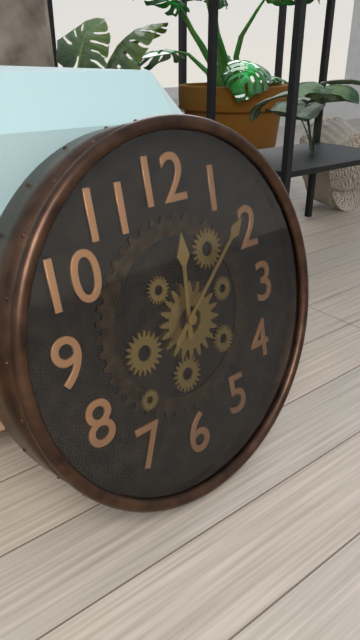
12:08
